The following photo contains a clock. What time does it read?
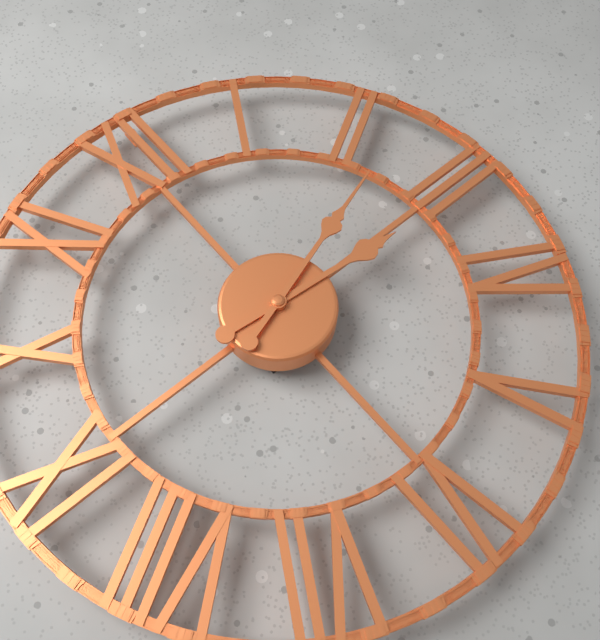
3:12
